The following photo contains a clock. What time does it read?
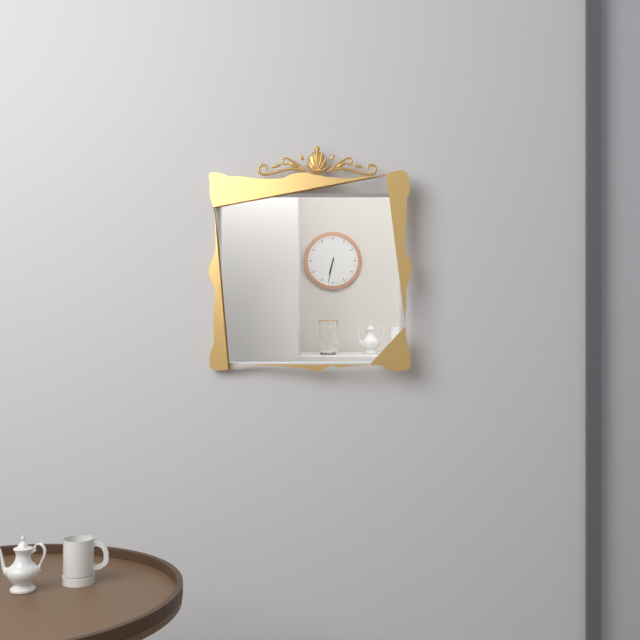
6:32
